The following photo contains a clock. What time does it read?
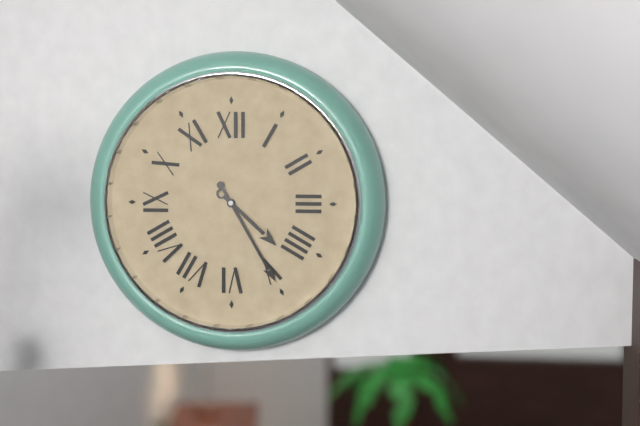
4:25
